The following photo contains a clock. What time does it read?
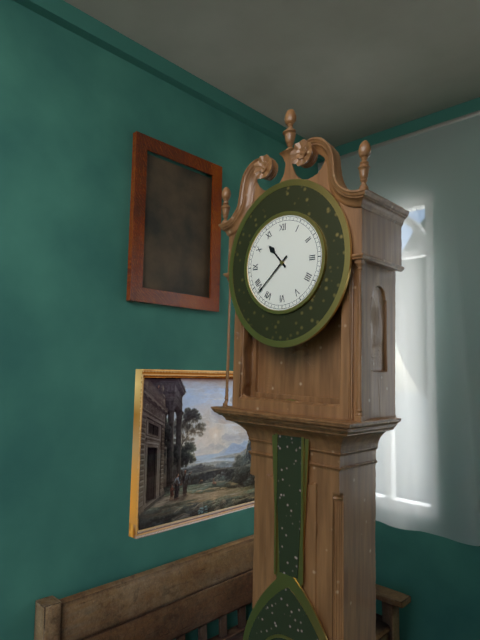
10:38
